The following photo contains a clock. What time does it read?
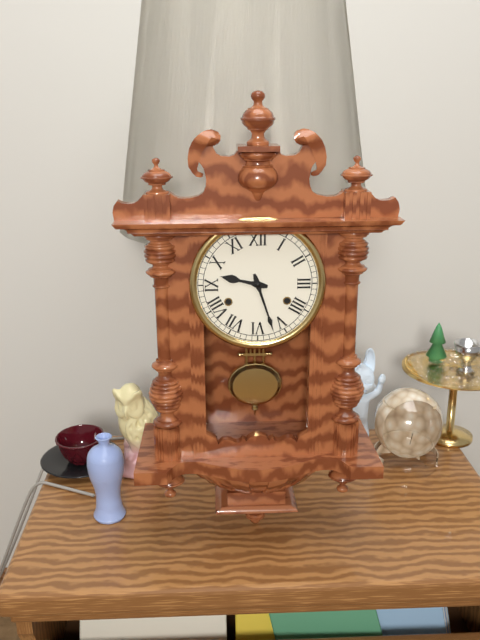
9:27
